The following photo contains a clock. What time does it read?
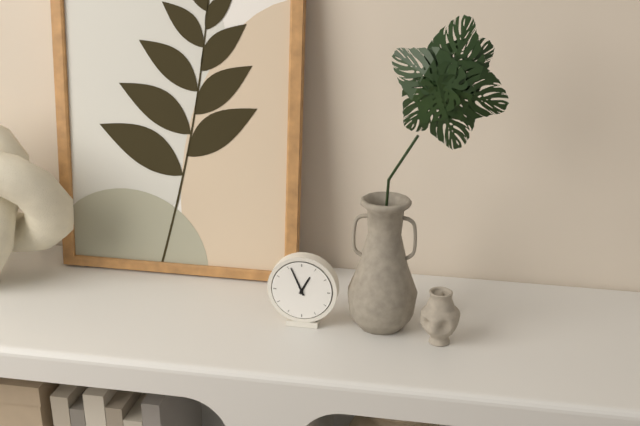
12:56
